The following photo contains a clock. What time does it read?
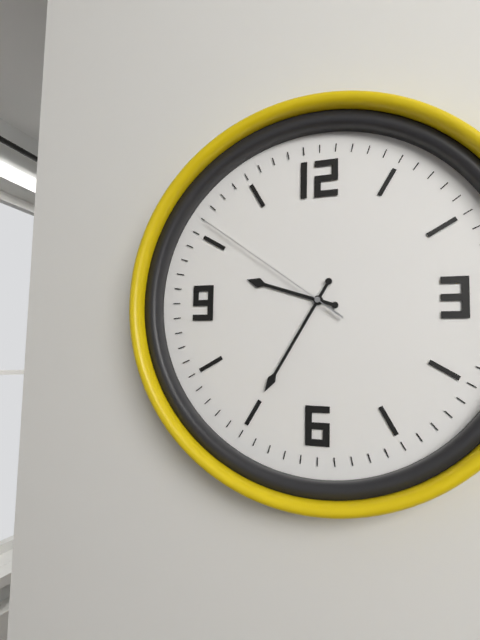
9:35:51
